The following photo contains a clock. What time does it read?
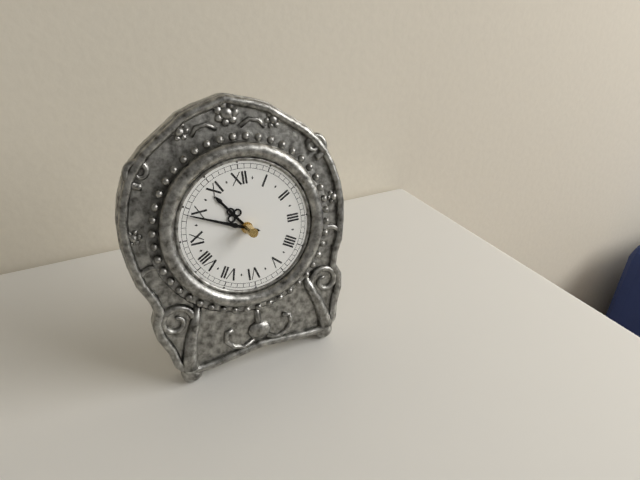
10:49
